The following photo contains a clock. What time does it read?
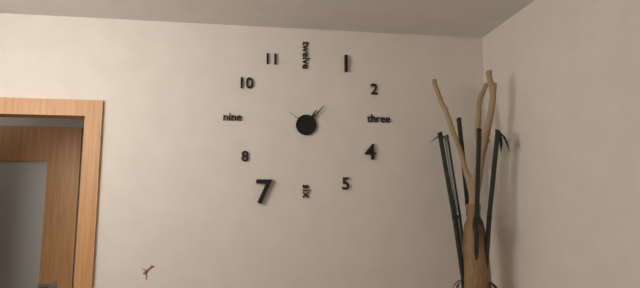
1:07
